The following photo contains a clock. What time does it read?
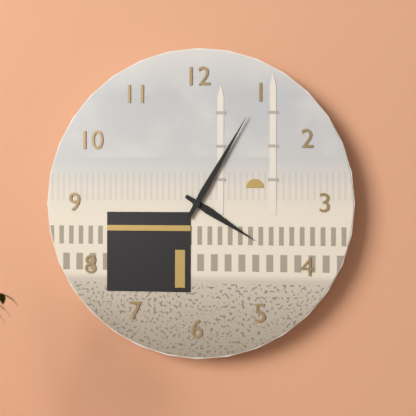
4:05
